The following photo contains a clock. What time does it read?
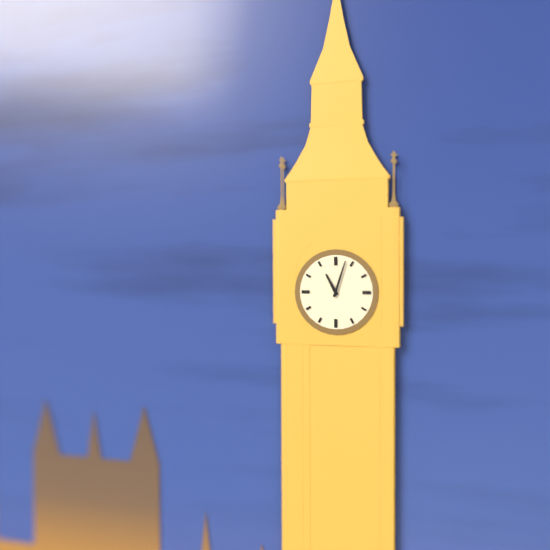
11:03
